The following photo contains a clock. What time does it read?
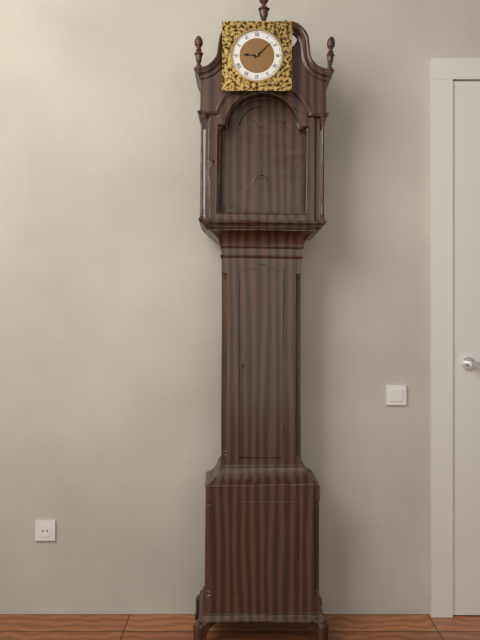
9:08
